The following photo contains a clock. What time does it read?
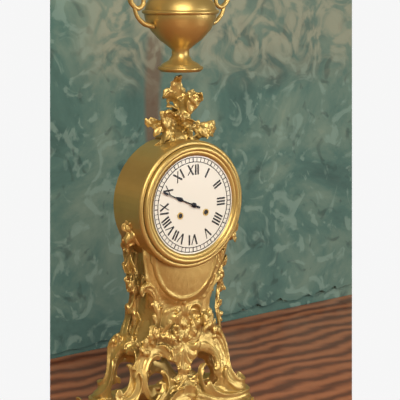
9:49
